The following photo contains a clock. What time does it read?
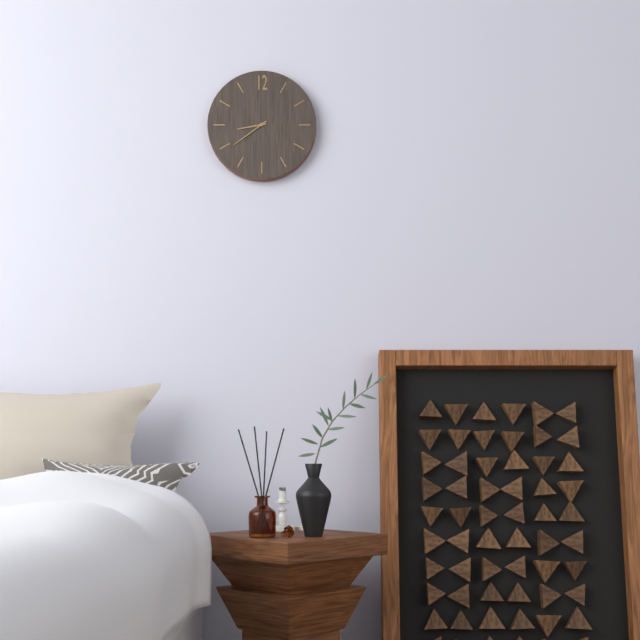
8:39
